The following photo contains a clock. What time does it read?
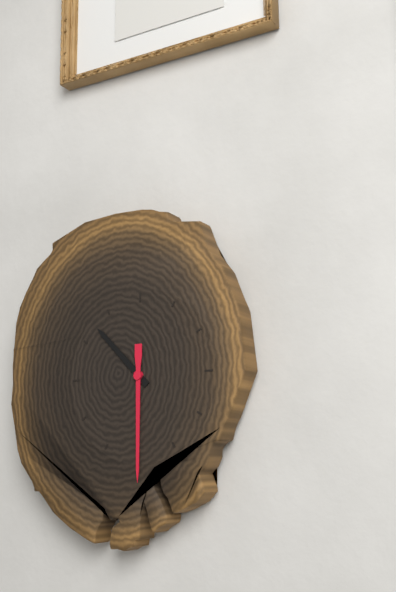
10:30
